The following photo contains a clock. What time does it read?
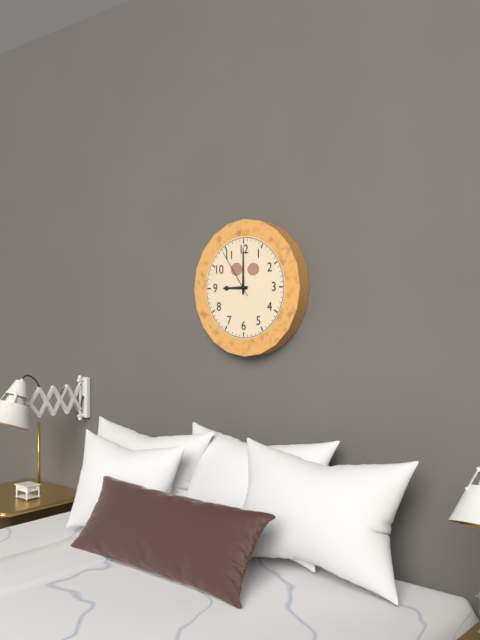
9:00:54
